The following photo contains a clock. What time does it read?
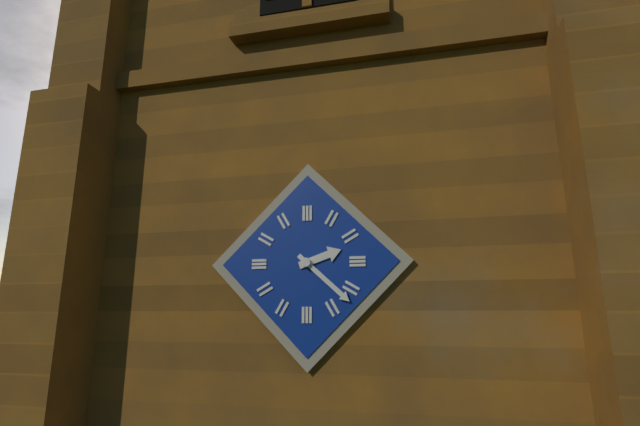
2:22
